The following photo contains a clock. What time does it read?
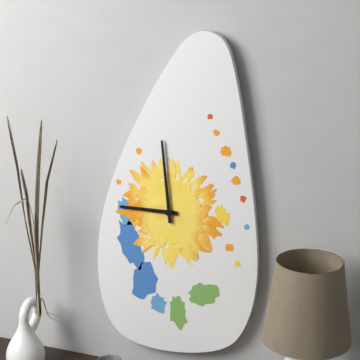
8:59
